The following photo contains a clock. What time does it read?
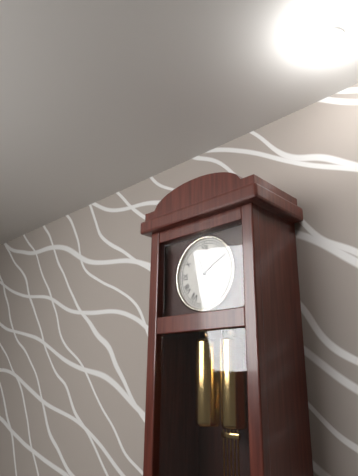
11:10
